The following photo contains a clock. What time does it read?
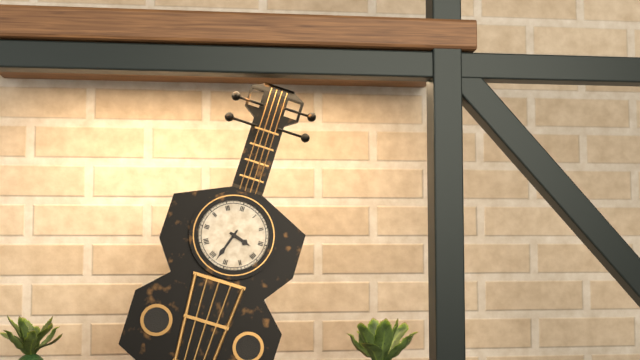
3:33
